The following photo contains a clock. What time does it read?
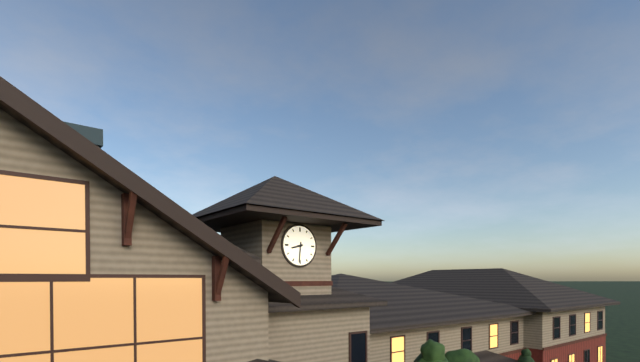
8:31
